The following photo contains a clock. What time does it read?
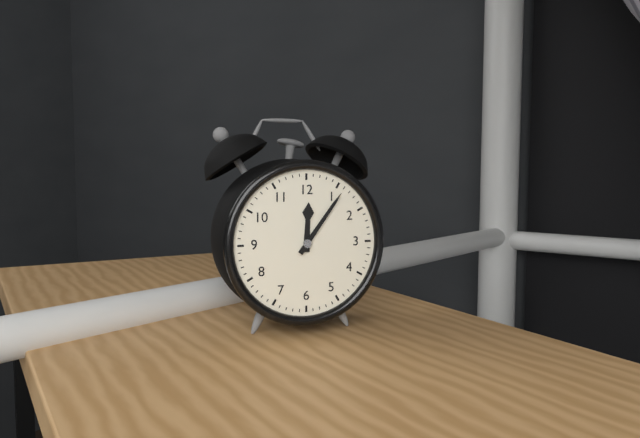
12:06
